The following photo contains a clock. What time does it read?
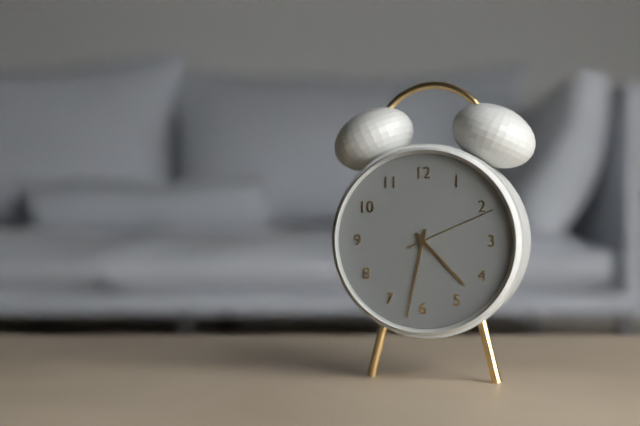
4:32:11
